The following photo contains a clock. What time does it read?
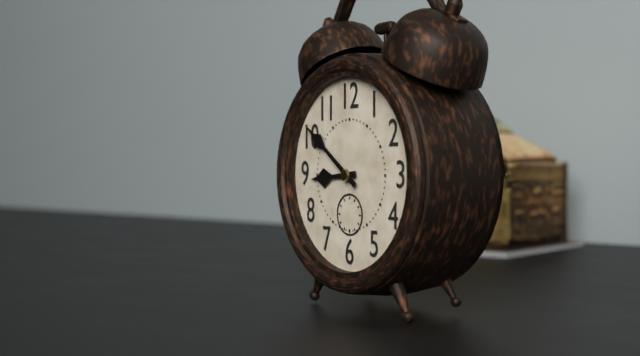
8:51
